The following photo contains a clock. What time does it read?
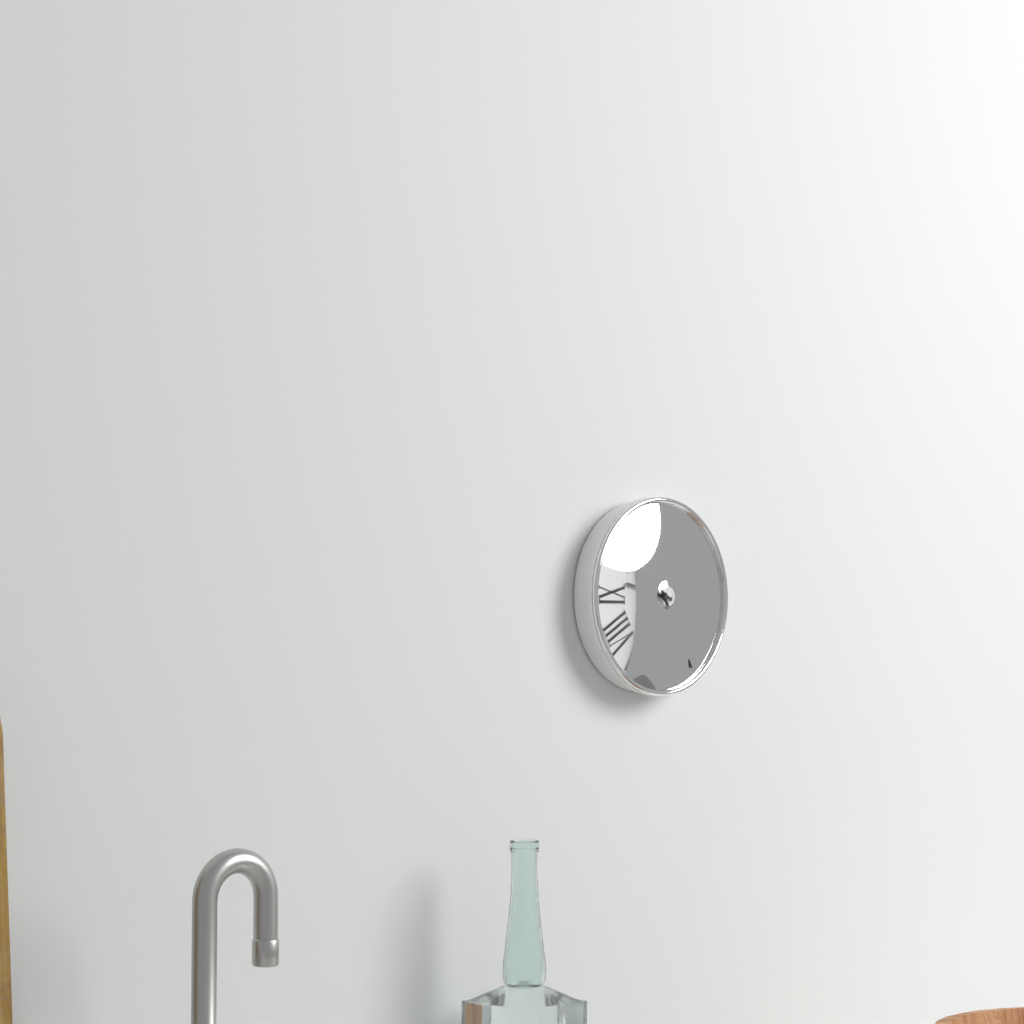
9:25
